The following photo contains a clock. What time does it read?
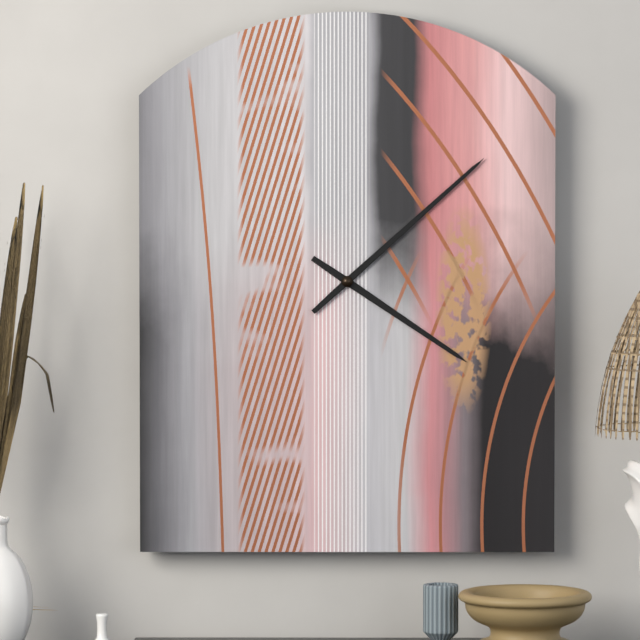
4:08
